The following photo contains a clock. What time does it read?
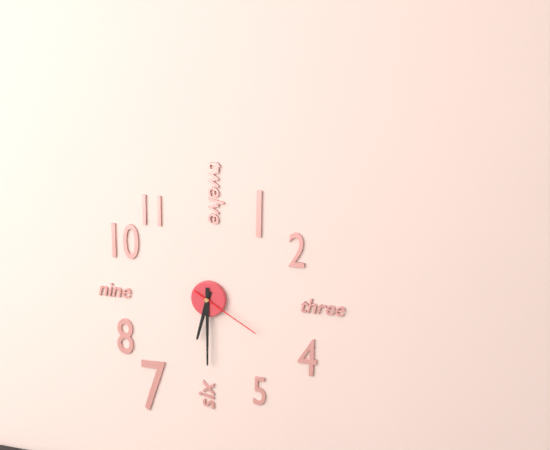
6:30:20
